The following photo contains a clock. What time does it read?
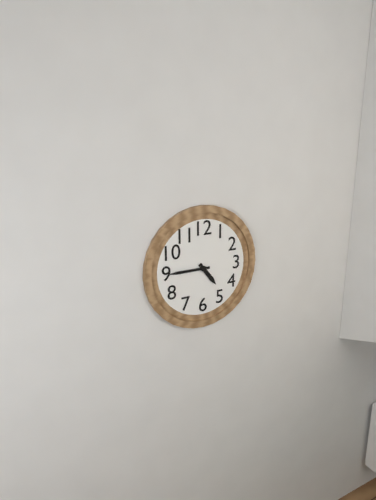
4:45
